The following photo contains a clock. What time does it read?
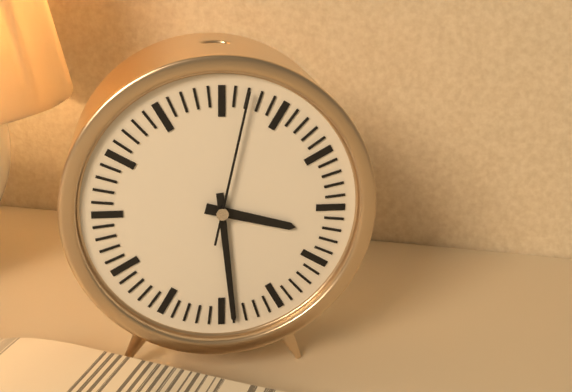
3:29:02
